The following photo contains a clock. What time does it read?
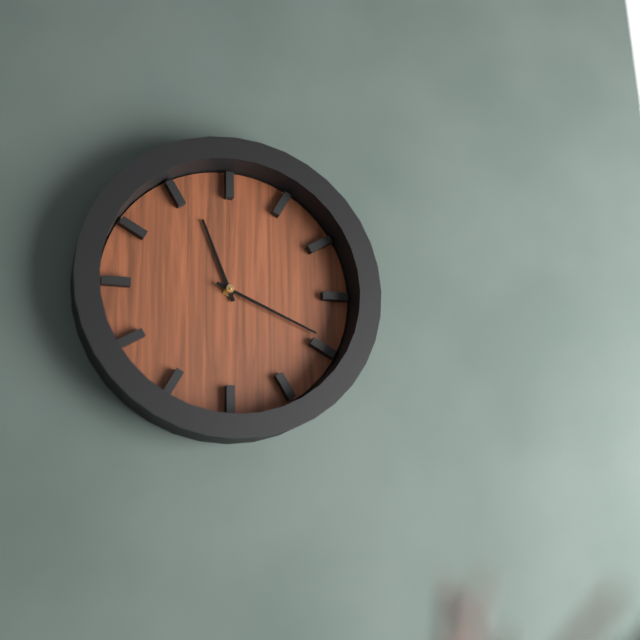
11:19
